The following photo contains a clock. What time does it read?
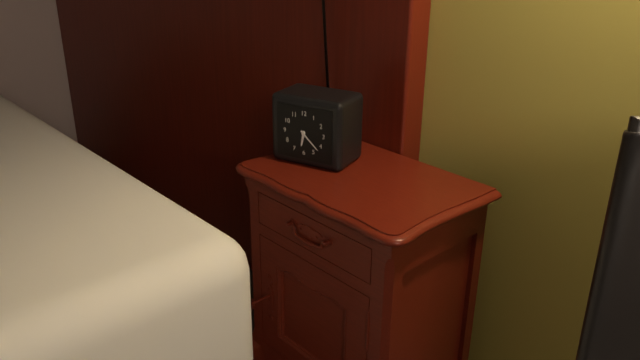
6:22
